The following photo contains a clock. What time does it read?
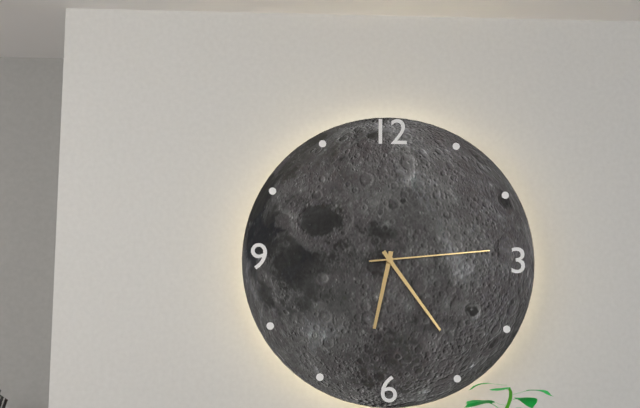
6:24:14
